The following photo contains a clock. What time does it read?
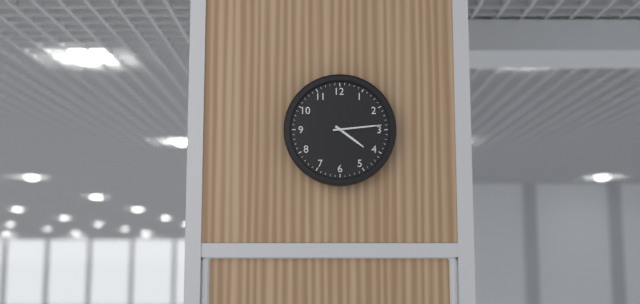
4:14
